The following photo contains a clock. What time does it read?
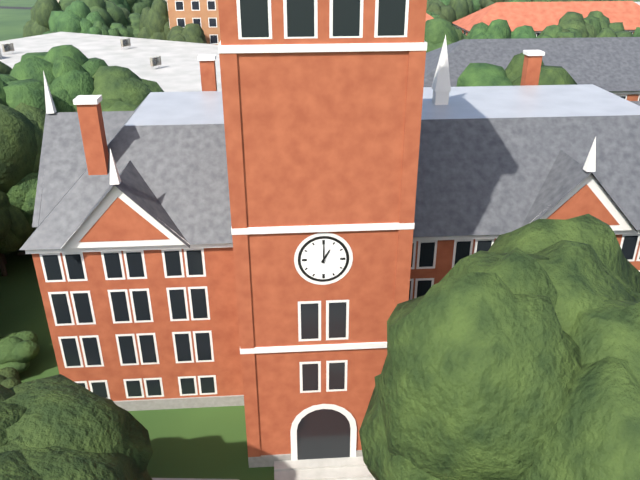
1:00
